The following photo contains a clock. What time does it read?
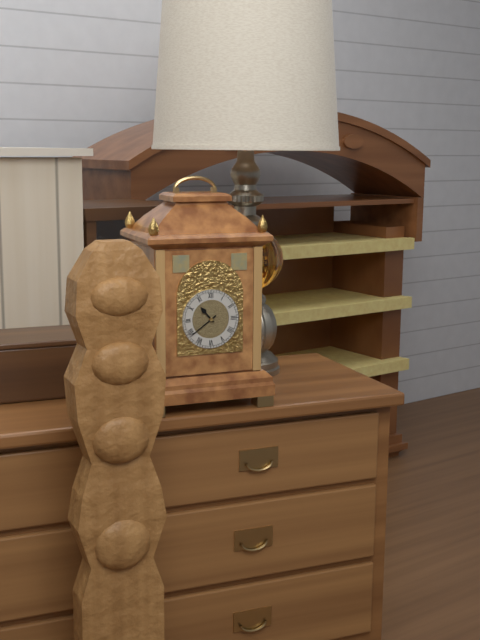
10:39
